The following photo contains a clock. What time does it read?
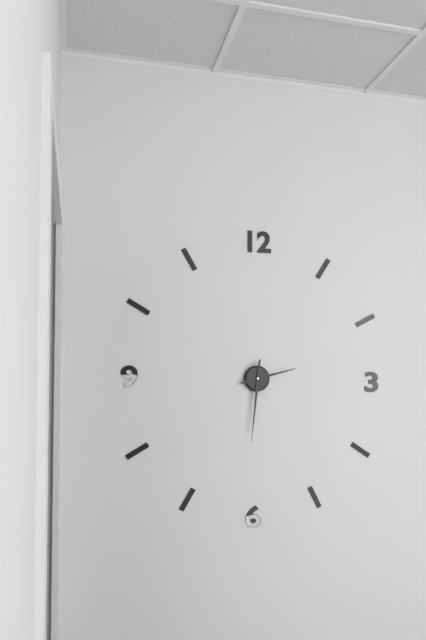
2:31
